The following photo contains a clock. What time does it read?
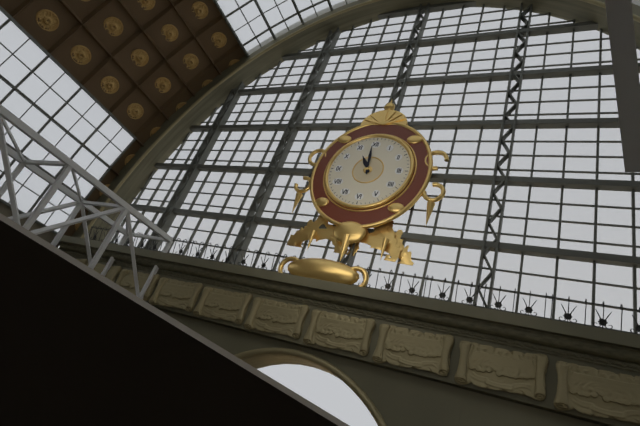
10:59
